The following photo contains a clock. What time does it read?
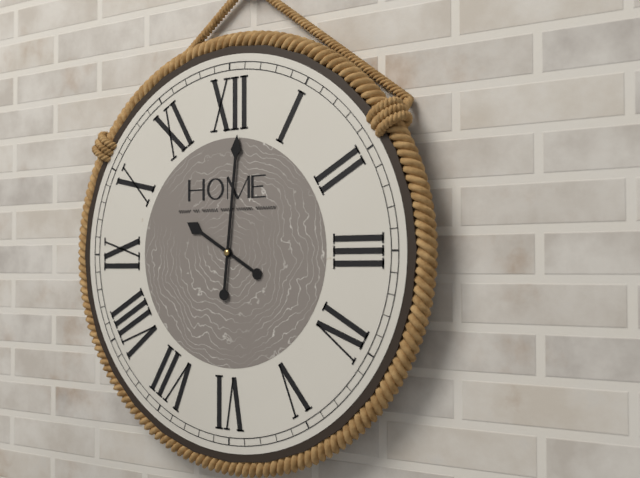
10:01
